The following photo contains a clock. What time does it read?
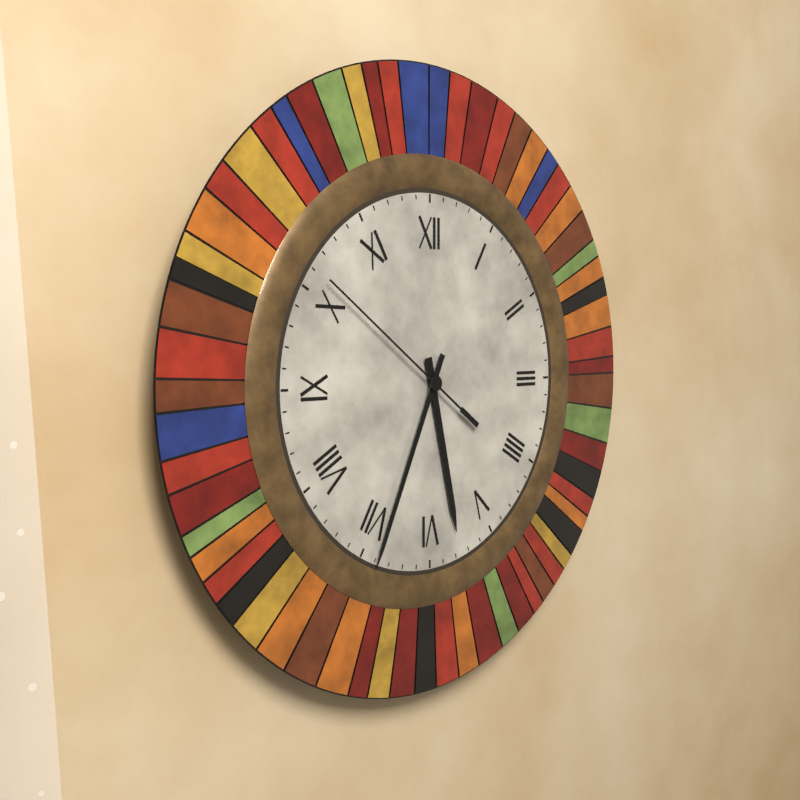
5:34:51
